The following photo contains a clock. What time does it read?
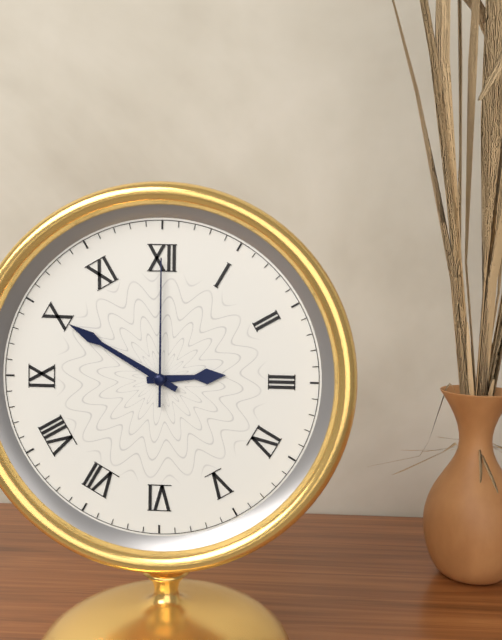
2:50:00
